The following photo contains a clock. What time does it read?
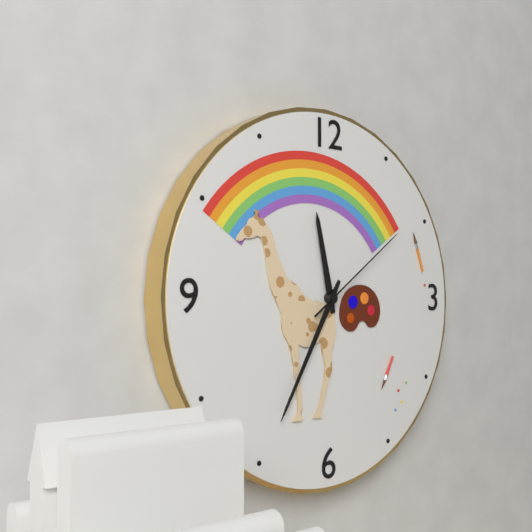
11:35:09
